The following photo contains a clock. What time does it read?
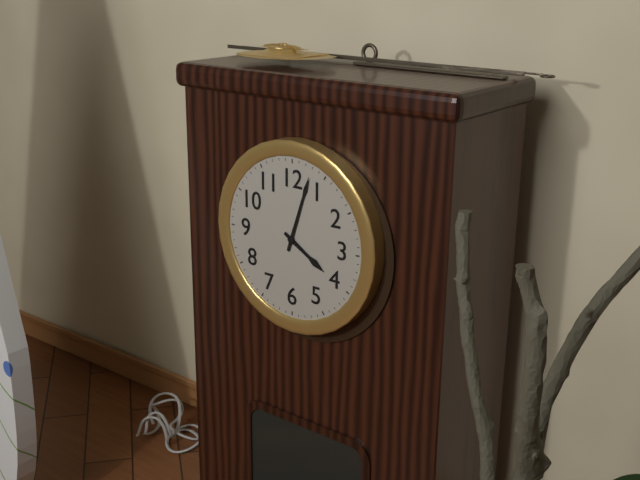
4:03
